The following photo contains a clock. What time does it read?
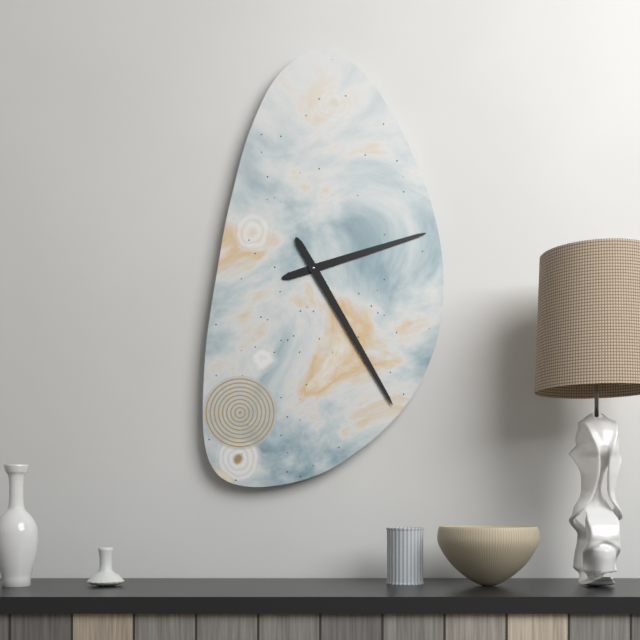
2:25
